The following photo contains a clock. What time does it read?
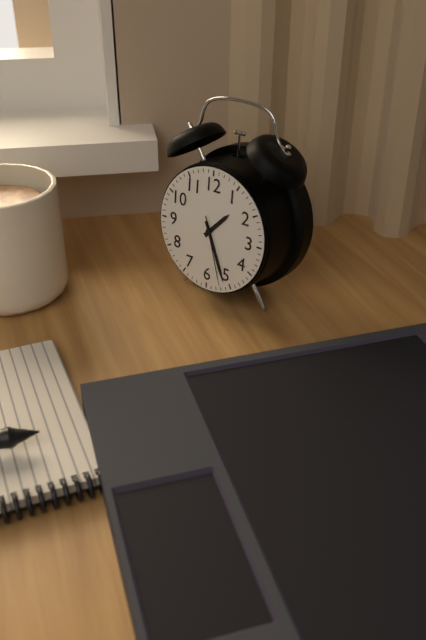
1:26:27
